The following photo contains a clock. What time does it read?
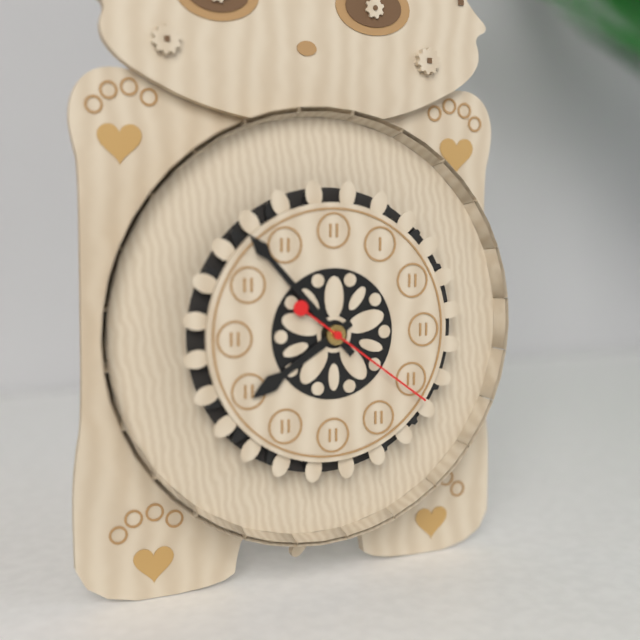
7:53:21
